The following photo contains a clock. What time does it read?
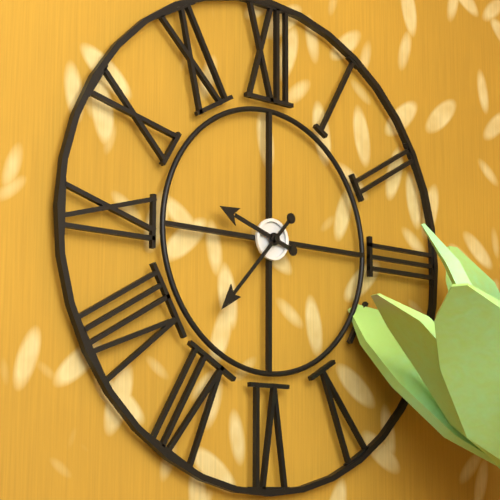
9:37
